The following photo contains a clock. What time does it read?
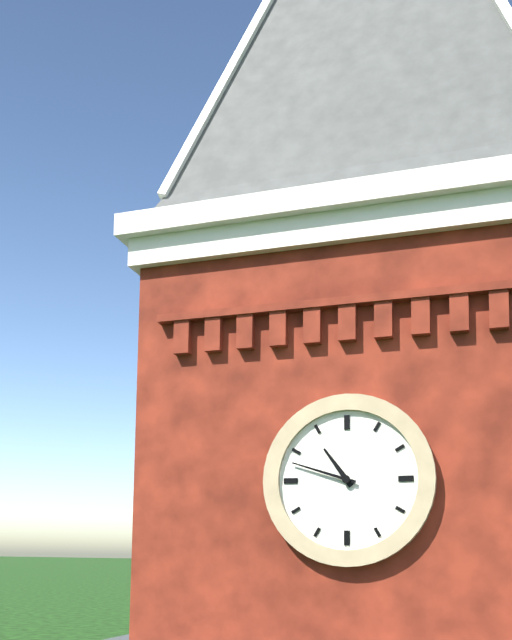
10:48
